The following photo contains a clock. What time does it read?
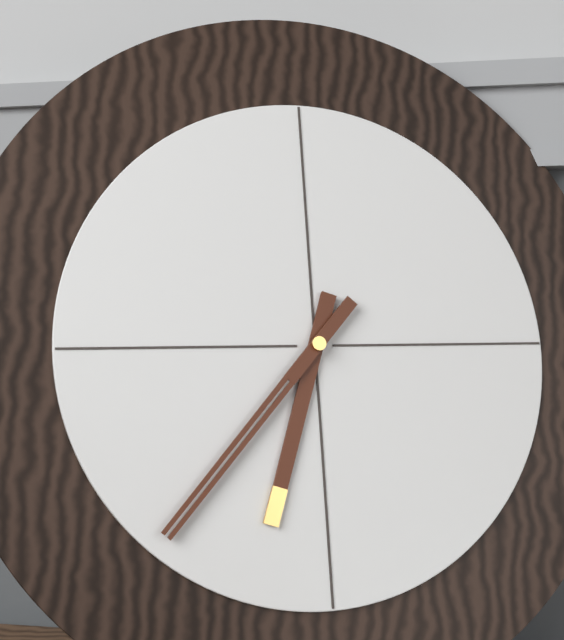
6:37
